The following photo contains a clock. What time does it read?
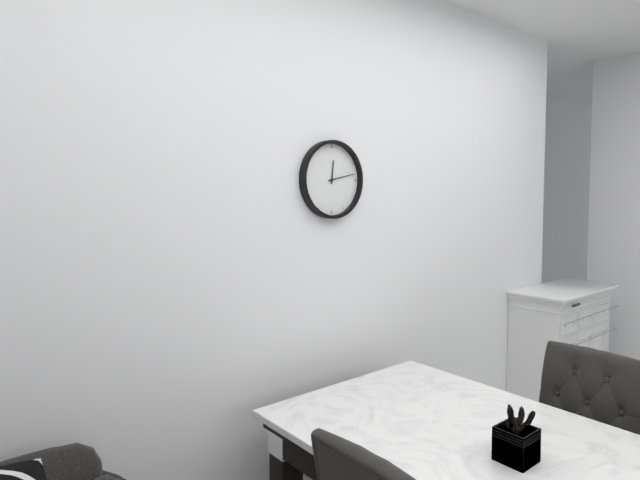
12:13
